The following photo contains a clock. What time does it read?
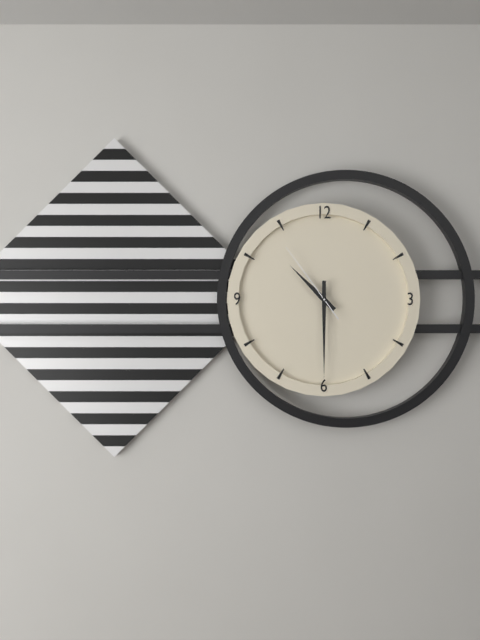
10:30:54
